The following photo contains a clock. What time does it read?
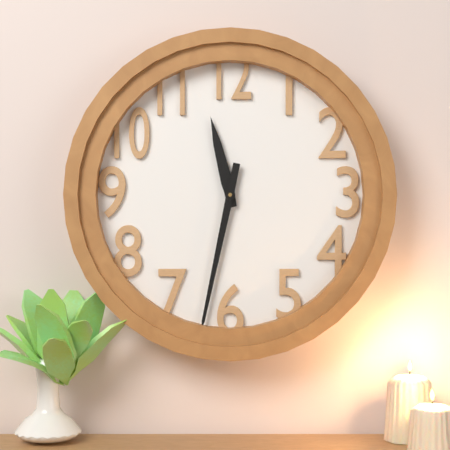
11:32
